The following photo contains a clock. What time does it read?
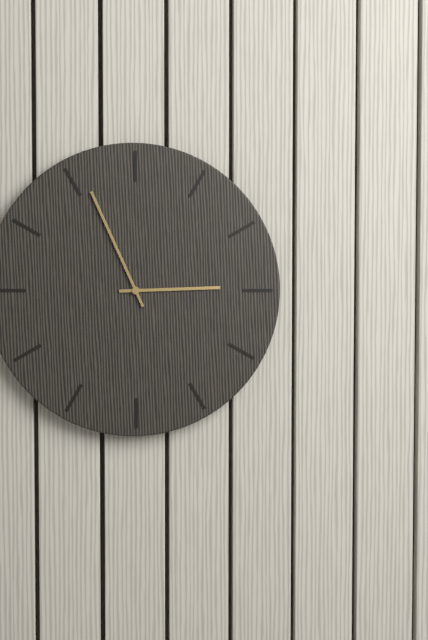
2:56
